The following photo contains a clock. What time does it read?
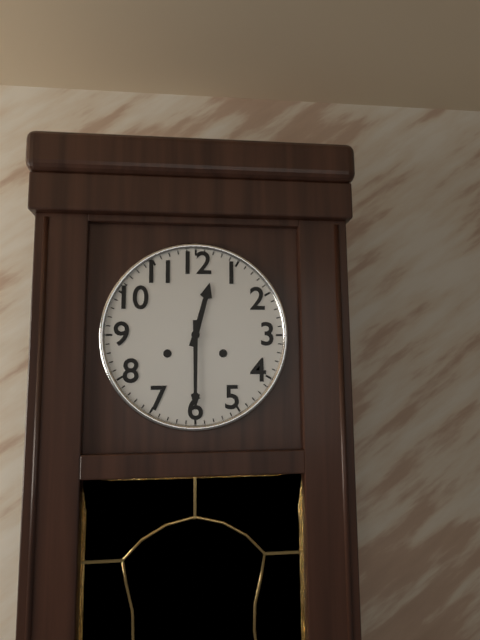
12:30
